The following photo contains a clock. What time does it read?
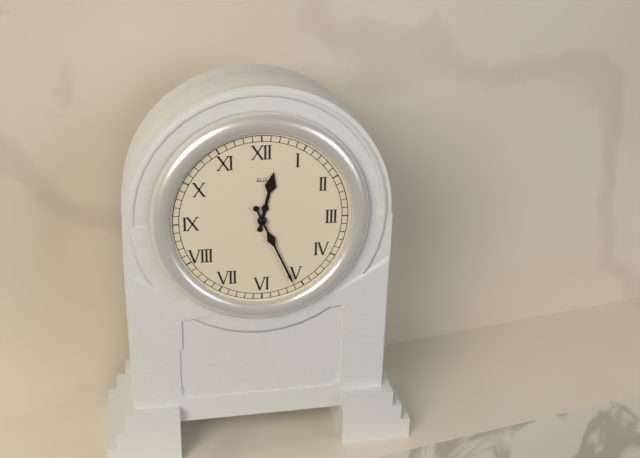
12:26
